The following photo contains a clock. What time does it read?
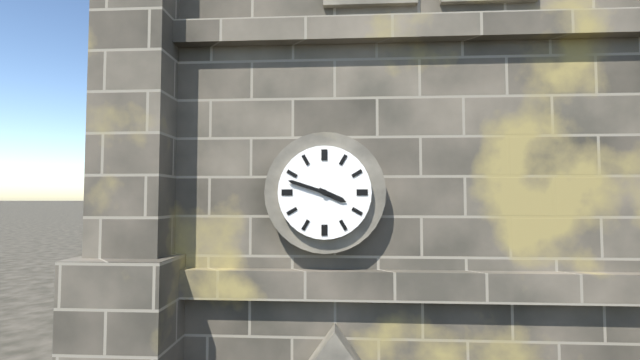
3:48
